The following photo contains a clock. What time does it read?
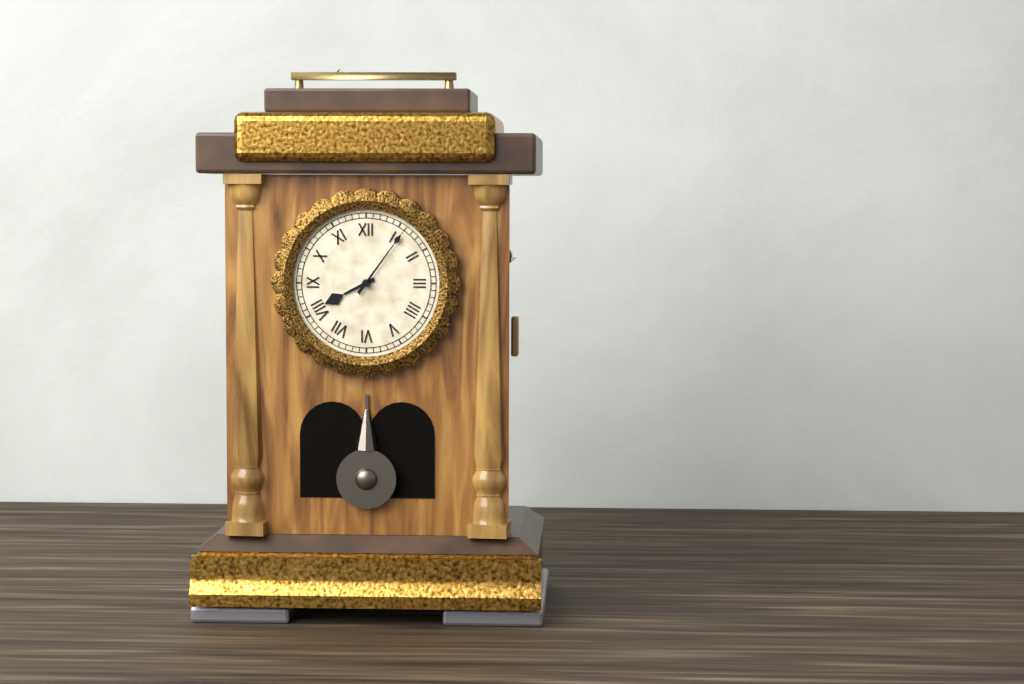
8:06
